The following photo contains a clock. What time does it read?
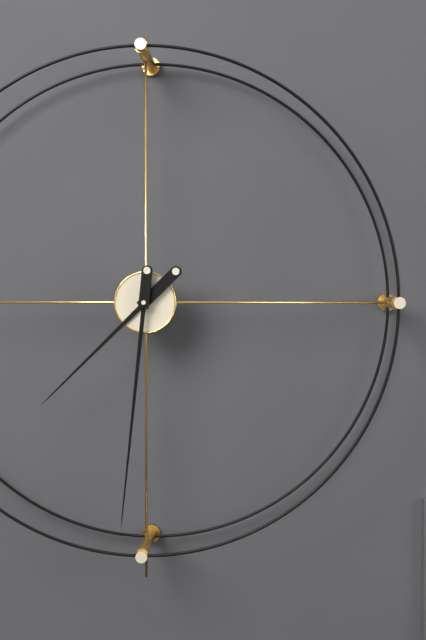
7:31
